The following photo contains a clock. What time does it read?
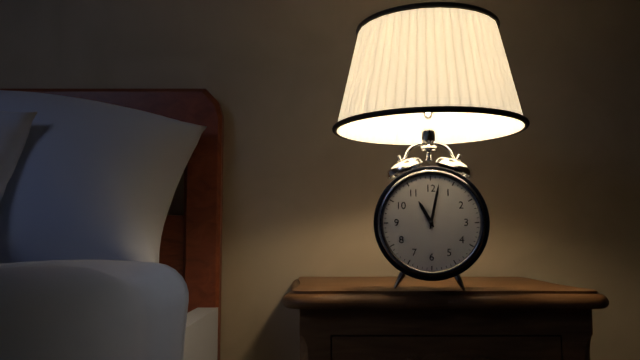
11:02
